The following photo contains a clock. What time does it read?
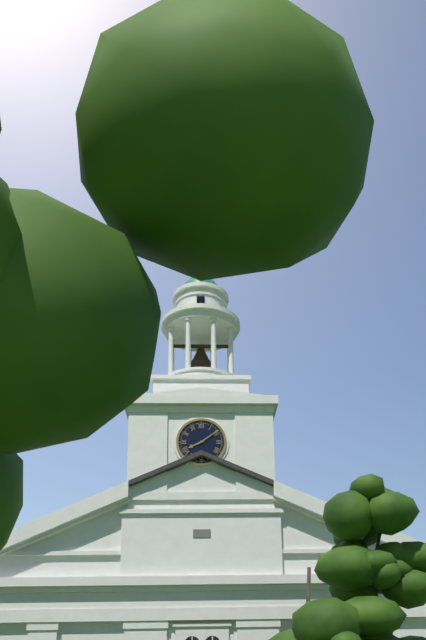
8:09
